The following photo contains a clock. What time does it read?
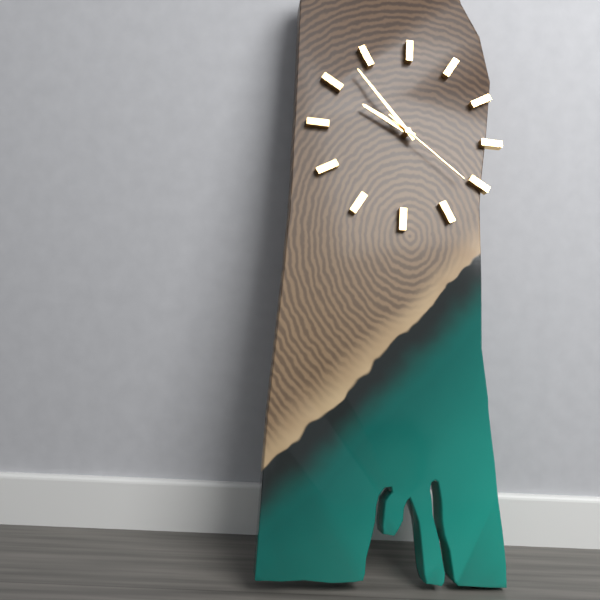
9:53:21
